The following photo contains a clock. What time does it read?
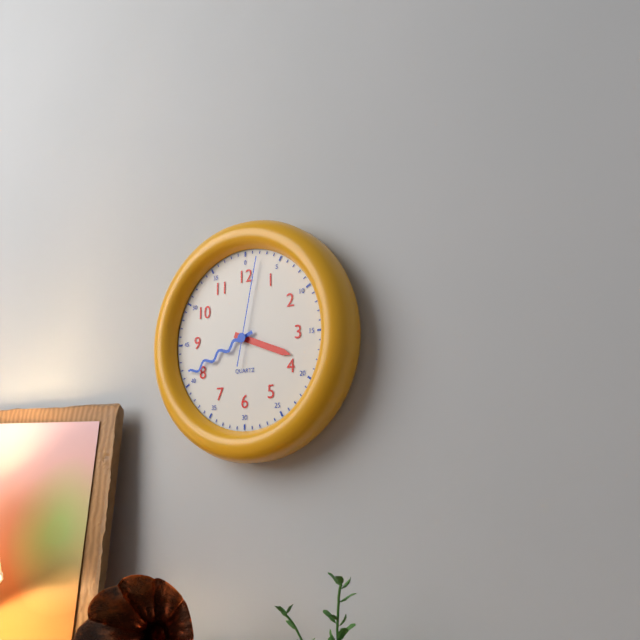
3:41:02
